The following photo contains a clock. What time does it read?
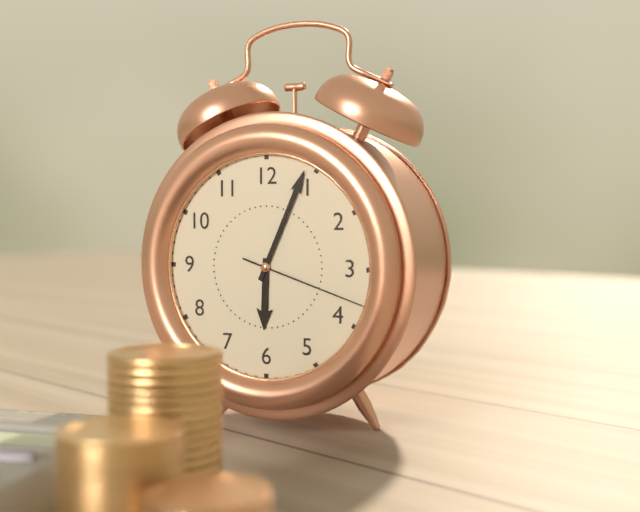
6:04:18
